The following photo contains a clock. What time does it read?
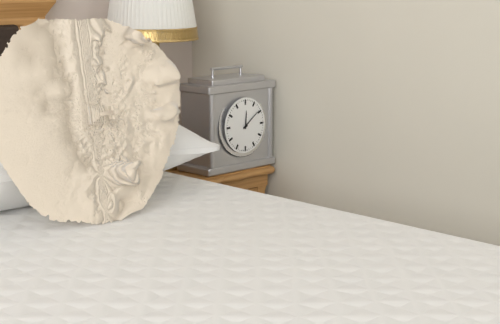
12:09
